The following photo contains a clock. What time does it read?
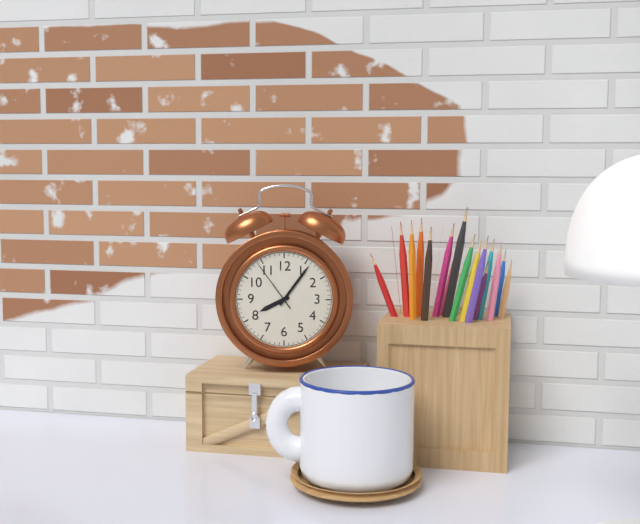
8:06:54
